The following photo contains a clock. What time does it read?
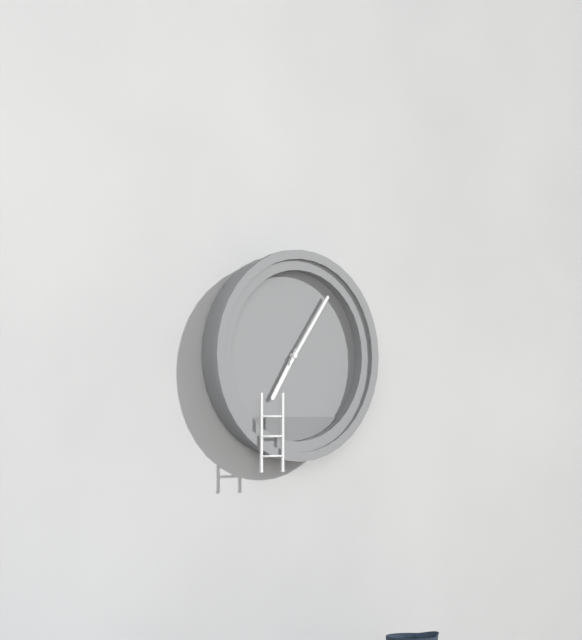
7:06
